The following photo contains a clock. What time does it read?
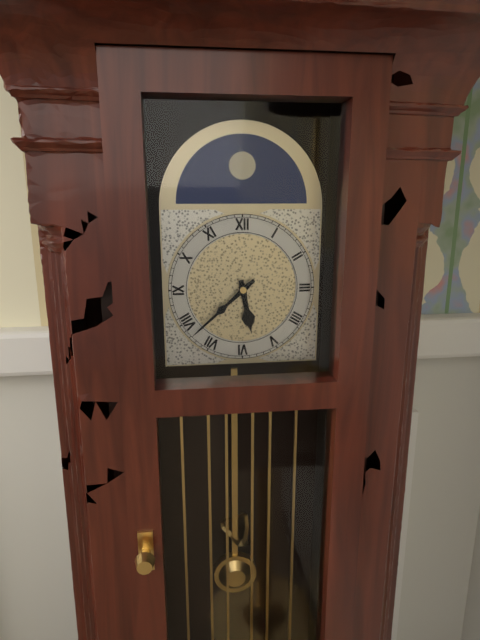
5:38
